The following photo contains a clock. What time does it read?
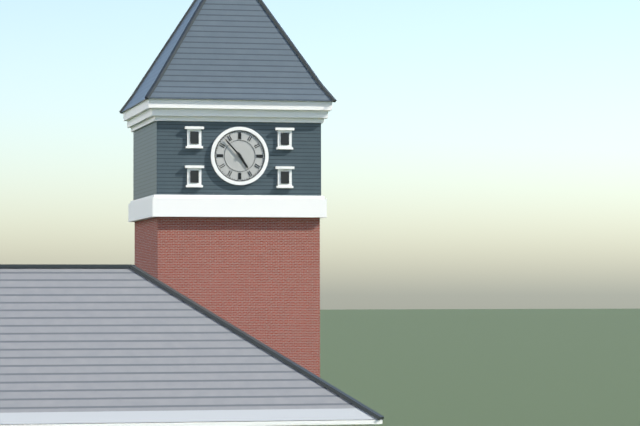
4:53
